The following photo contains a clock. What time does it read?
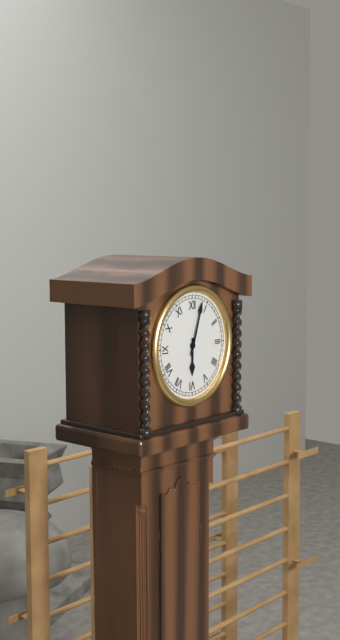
6:03
